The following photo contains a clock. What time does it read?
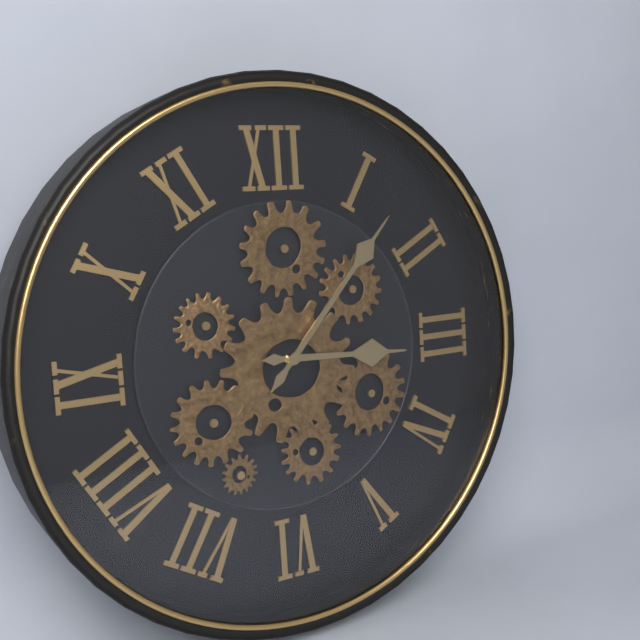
3:07
